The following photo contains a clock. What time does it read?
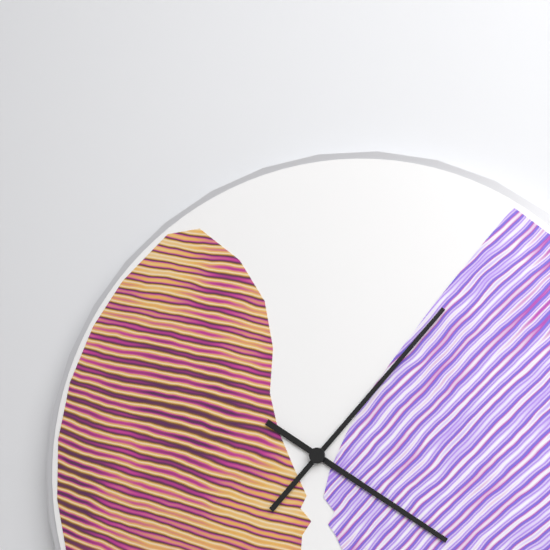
4:07
